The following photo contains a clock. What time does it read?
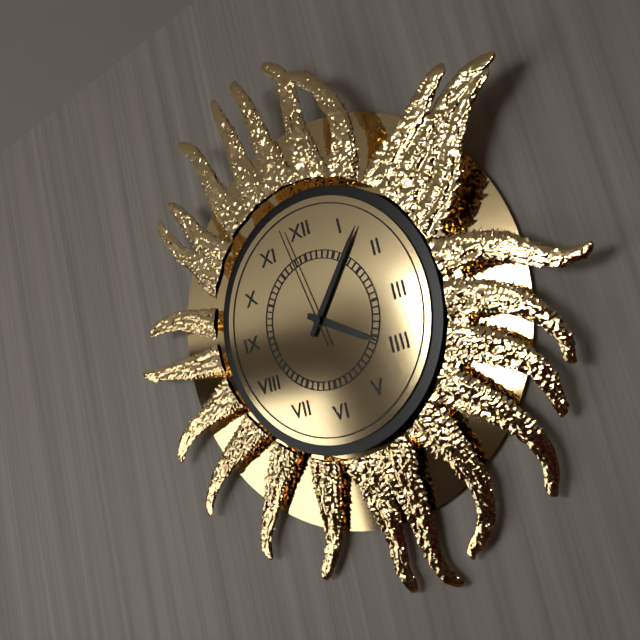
4:07:58
